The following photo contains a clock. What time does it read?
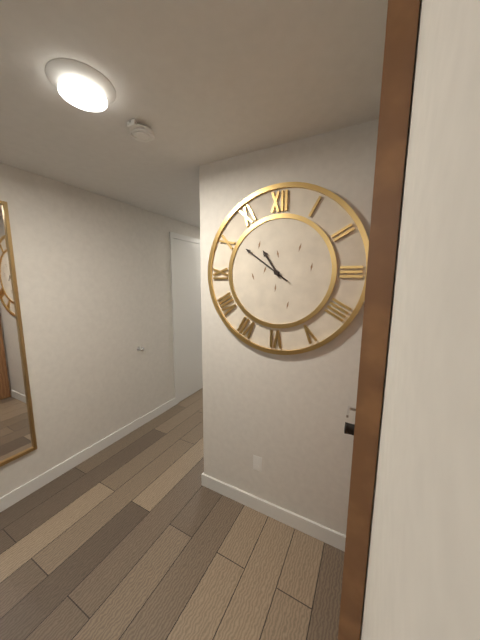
10:51
